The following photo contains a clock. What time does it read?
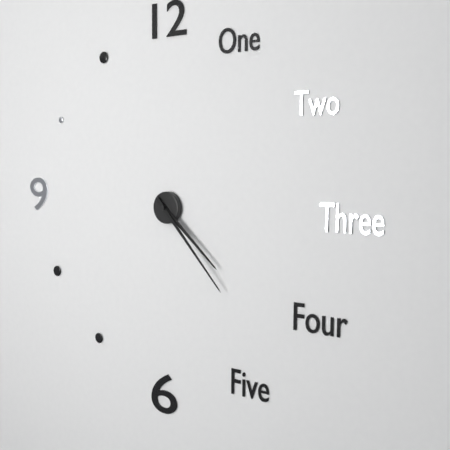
4:23
